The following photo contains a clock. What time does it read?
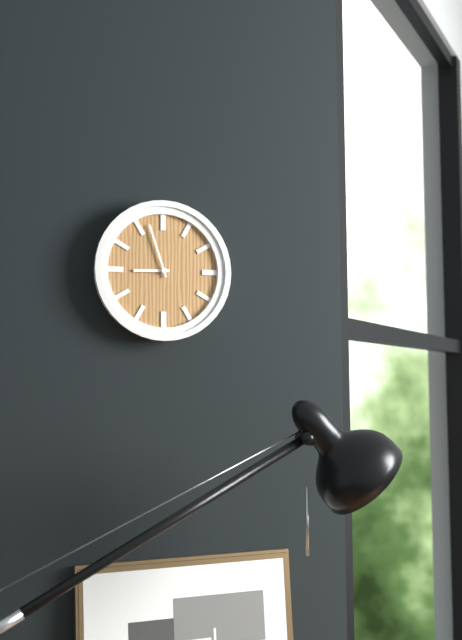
8:57
